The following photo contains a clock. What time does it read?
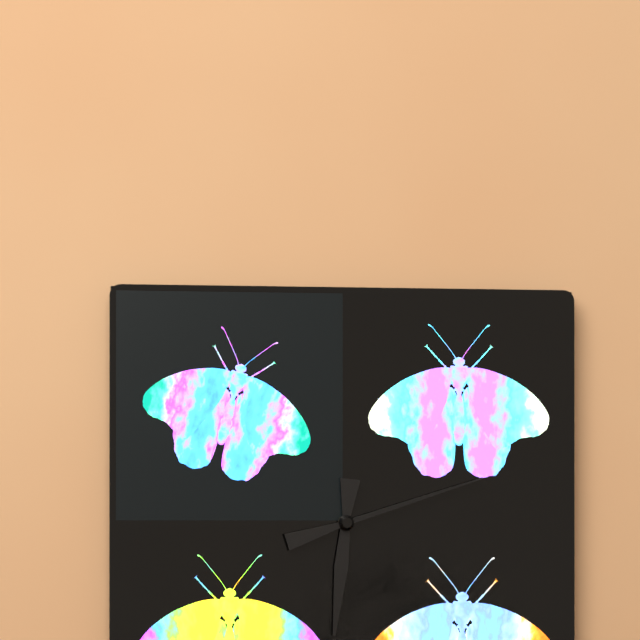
6:12
